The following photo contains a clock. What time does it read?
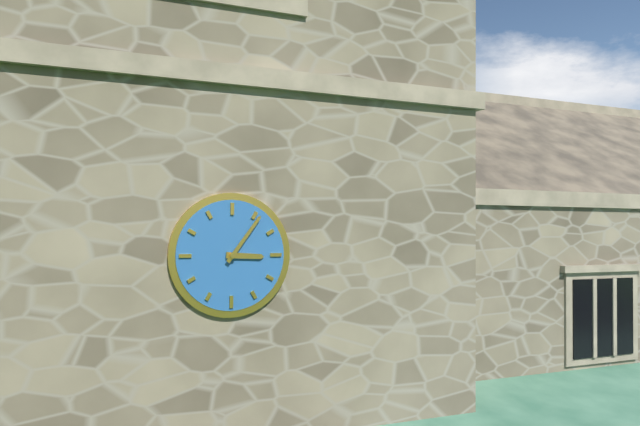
3:06
